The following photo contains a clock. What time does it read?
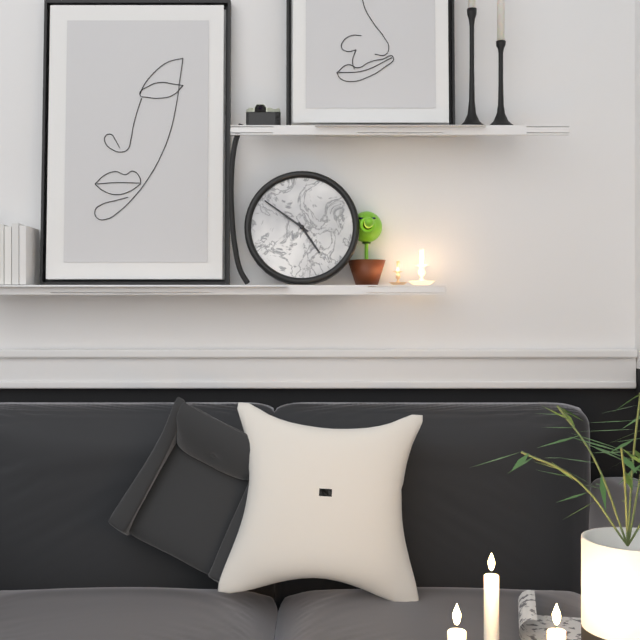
4:51
